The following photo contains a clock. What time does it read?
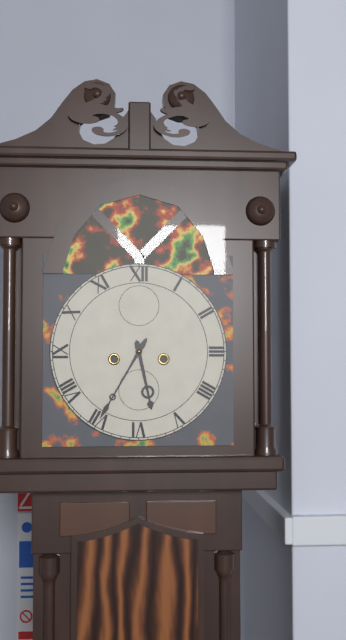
5:35
